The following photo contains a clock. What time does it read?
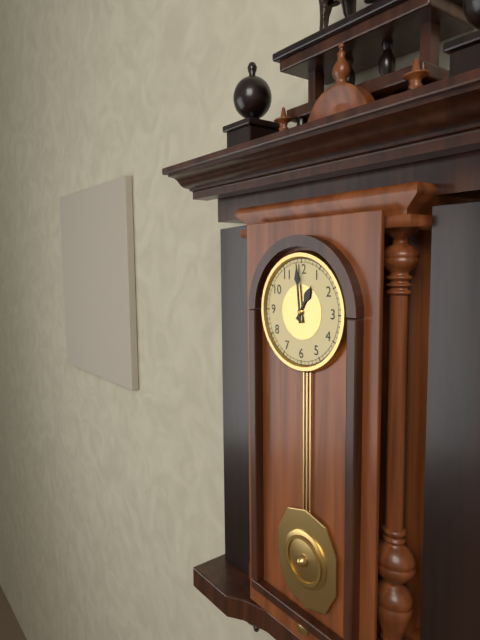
12:59
